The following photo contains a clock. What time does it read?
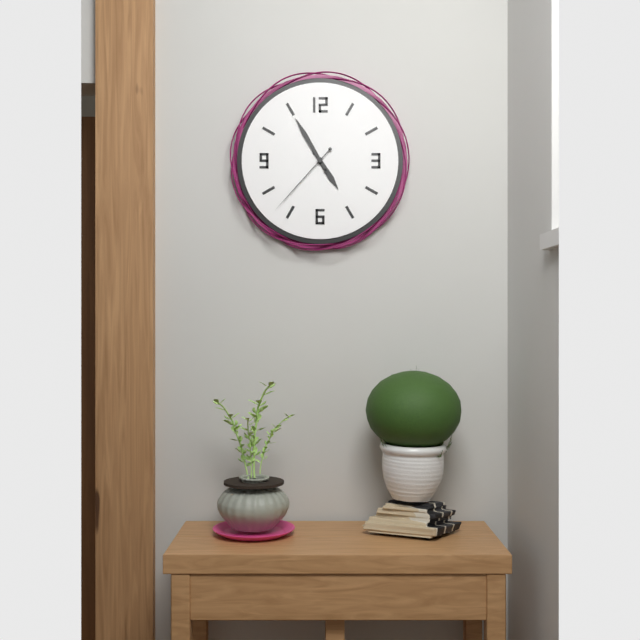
4:55:37
